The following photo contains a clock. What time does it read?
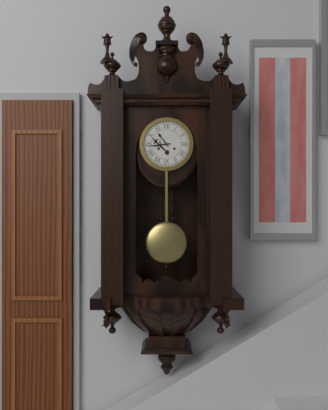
10:44
